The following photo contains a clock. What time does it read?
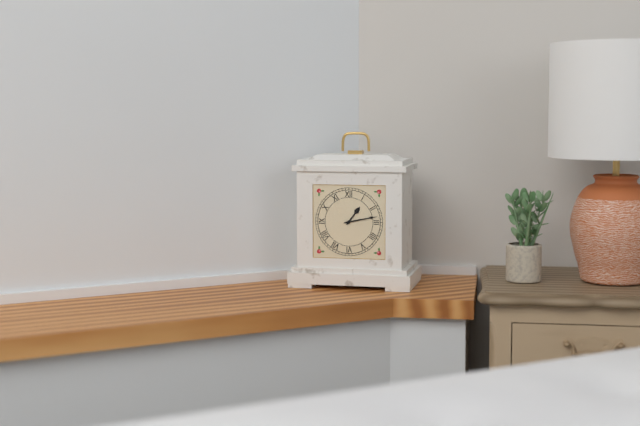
1:13
